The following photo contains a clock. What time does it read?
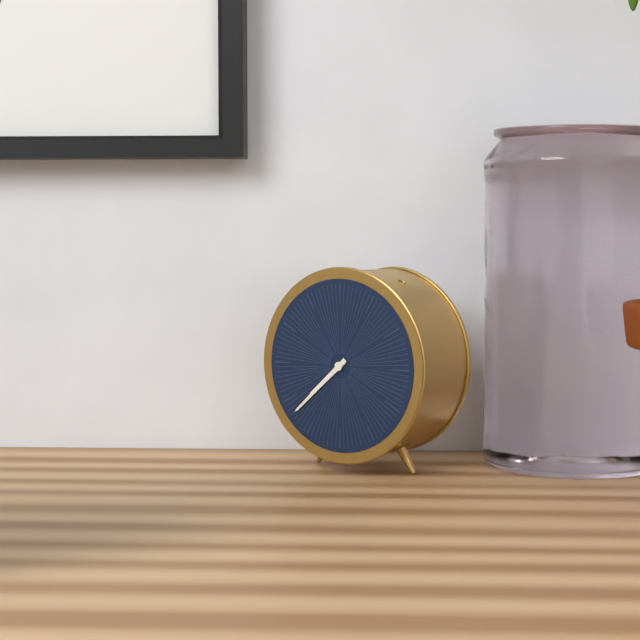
7:38
